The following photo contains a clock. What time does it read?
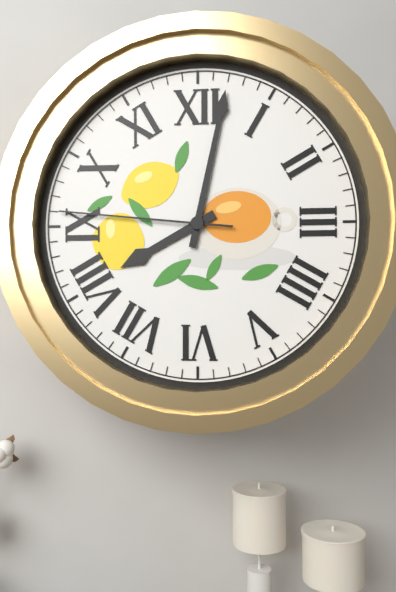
8:02:46
